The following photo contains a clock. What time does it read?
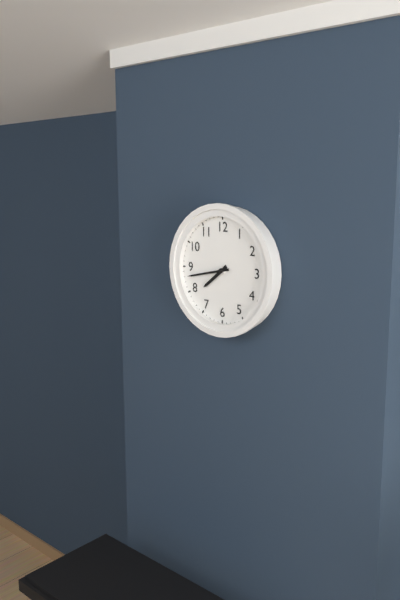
7:43
